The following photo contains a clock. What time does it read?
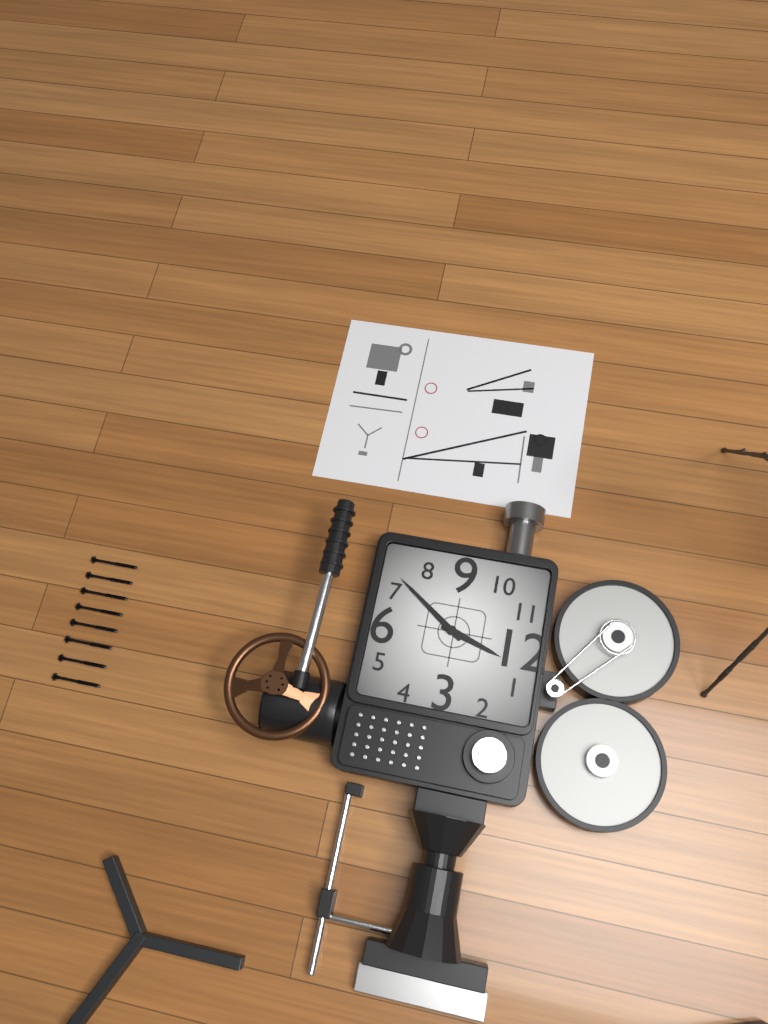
12:36
